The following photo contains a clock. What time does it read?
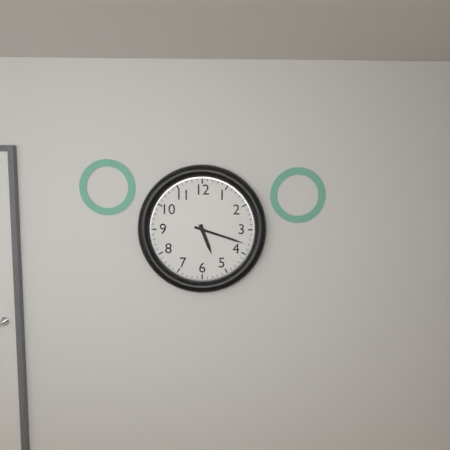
5:18
